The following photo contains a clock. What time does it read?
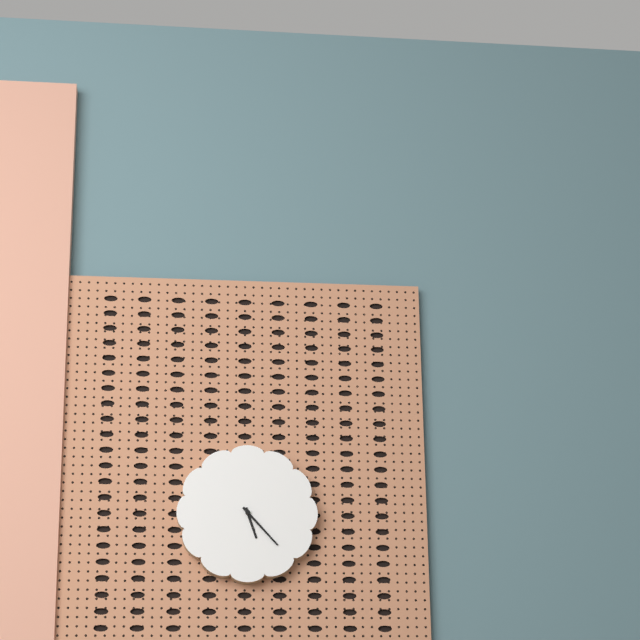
5:23
